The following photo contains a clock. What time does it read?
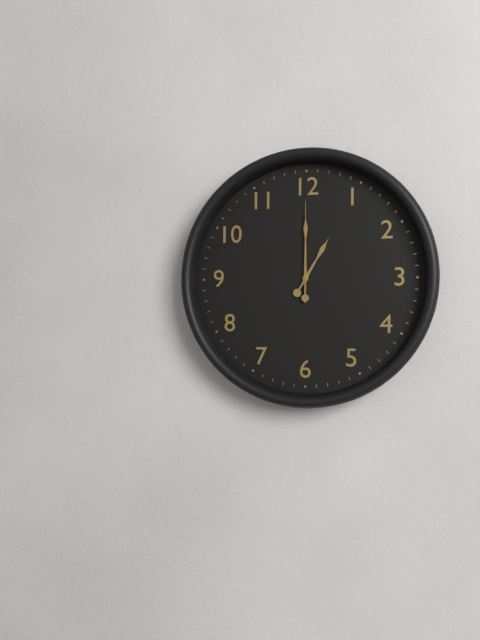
1:00:00
